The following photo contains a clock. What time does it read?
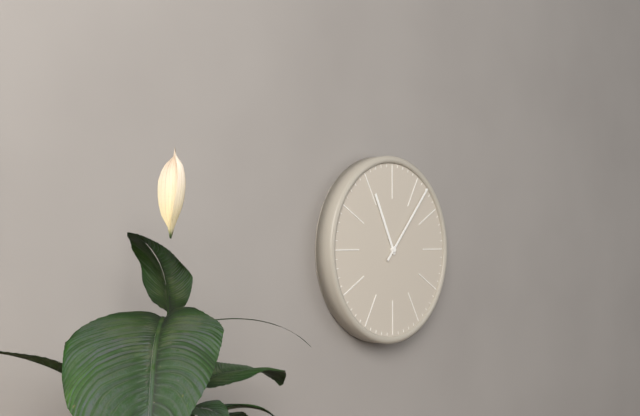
11:07
